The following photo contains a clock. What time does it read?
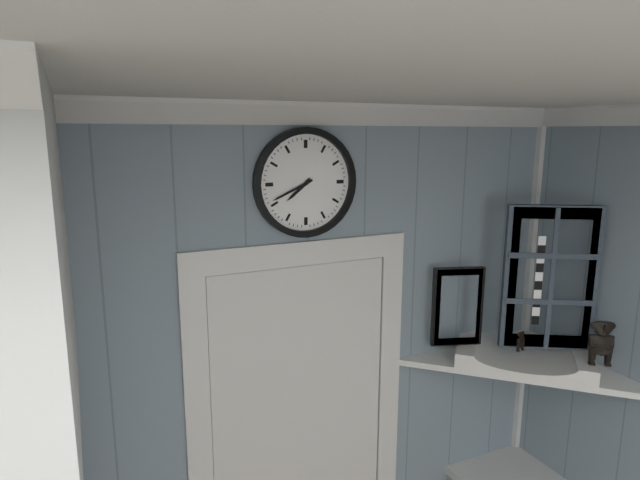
7:41
